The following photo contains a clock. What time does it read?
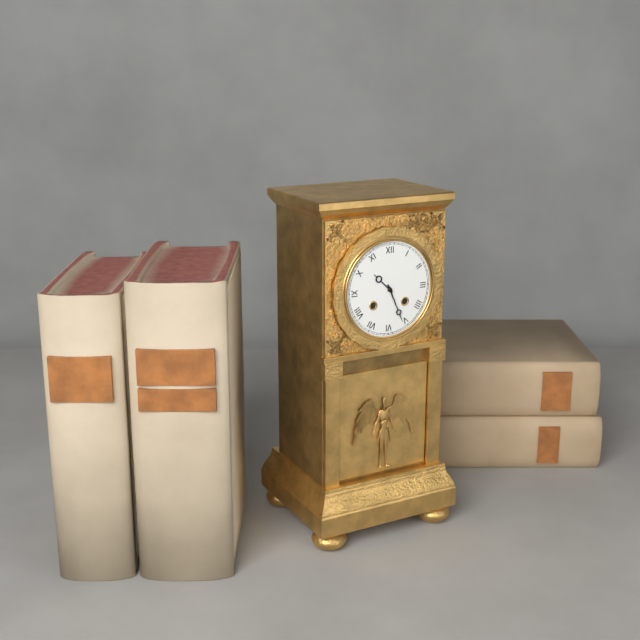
10:26
